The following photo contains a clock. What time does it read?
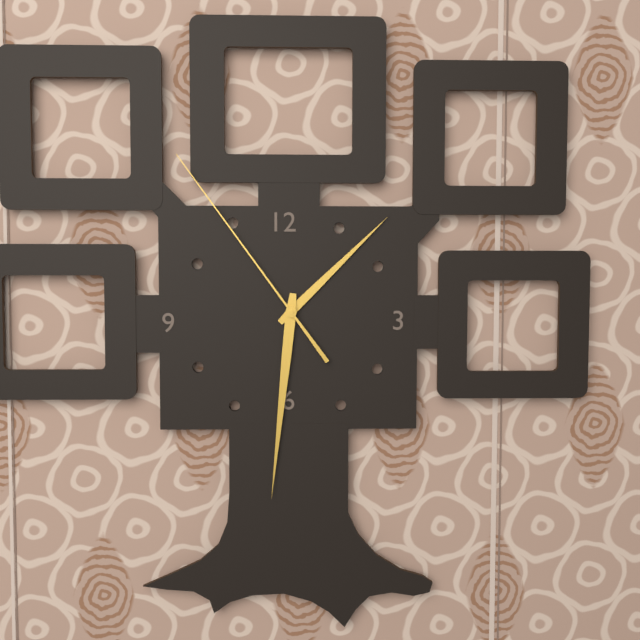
1:31:54
